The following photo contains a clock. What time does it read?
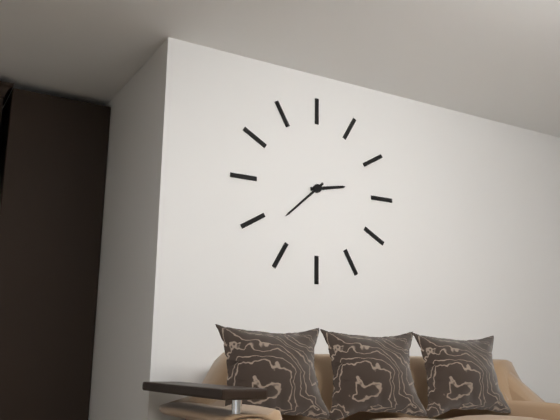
2:38
